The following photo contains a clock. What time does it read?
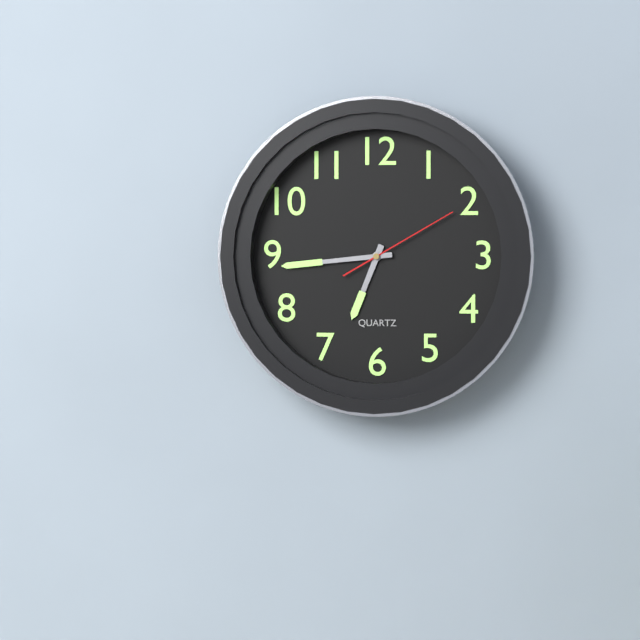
6:44:10
